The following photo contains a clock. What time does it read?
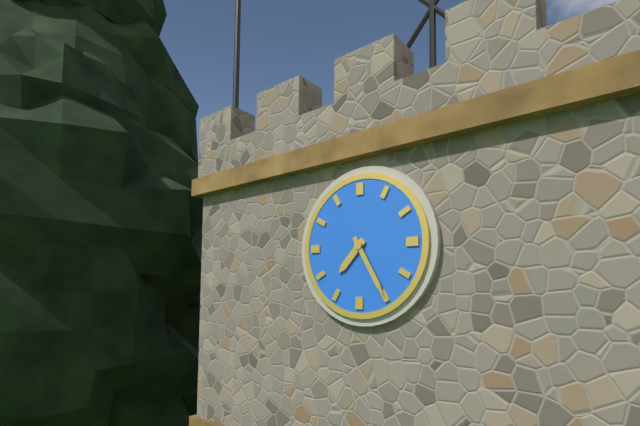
7:25
